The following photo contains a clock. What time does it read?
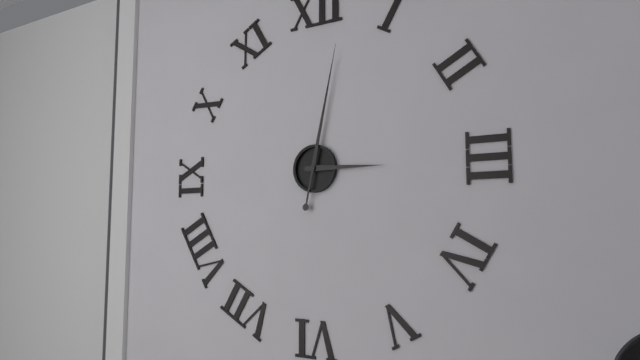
3:02
